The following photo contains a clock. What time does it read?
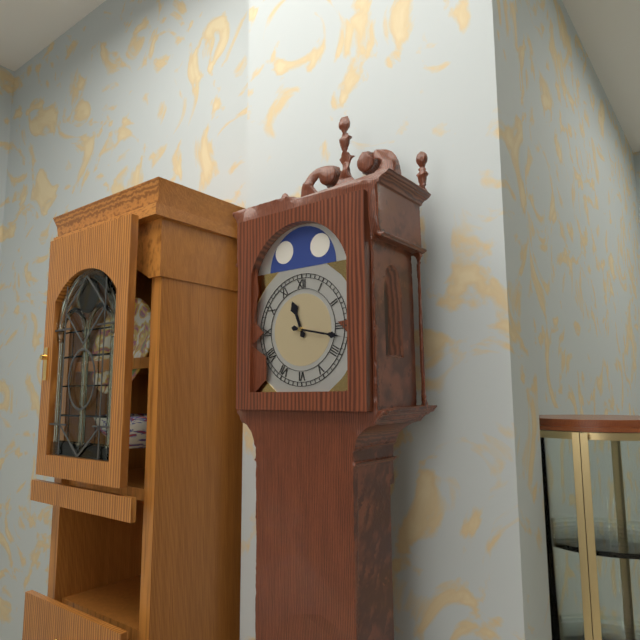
11:17
